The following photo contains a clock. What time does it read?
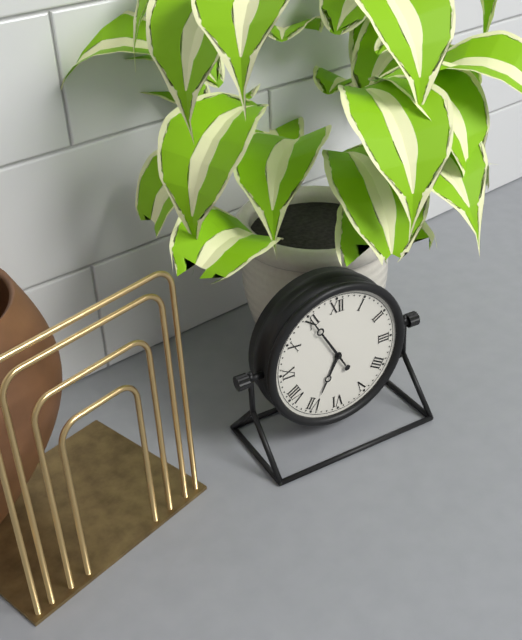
6:55
